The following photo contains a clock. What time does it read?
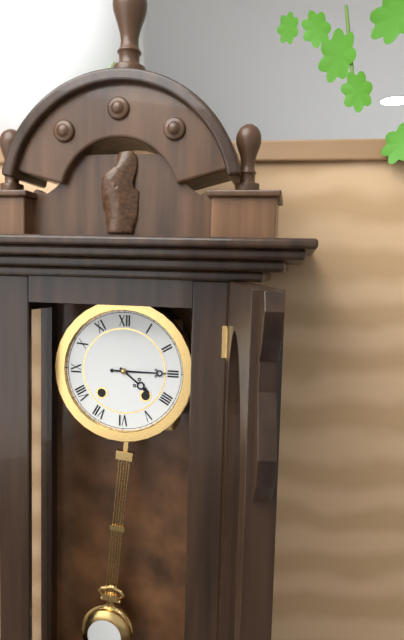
4:15
